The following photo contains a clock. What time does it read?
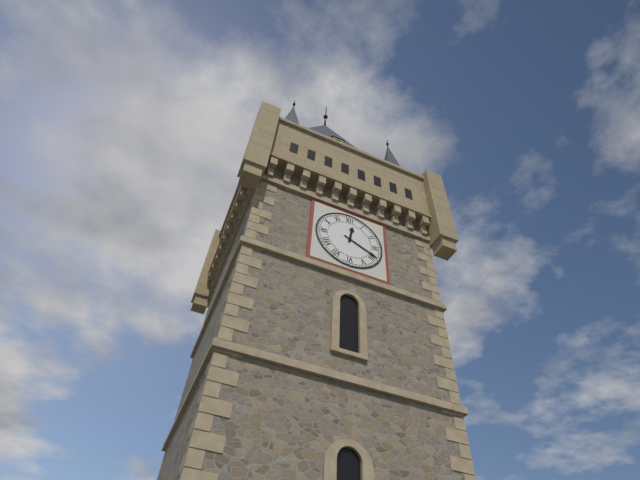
12:19
